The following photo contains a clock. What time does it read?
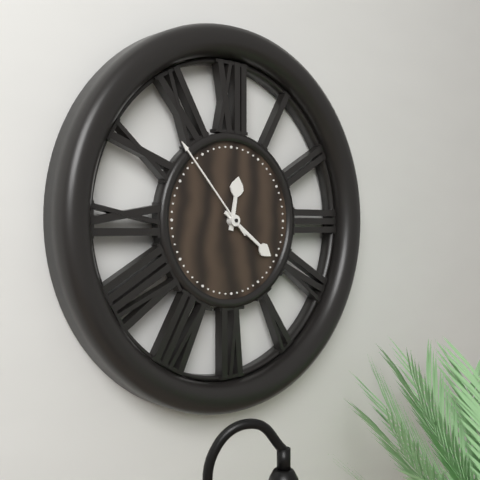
12:21:53
